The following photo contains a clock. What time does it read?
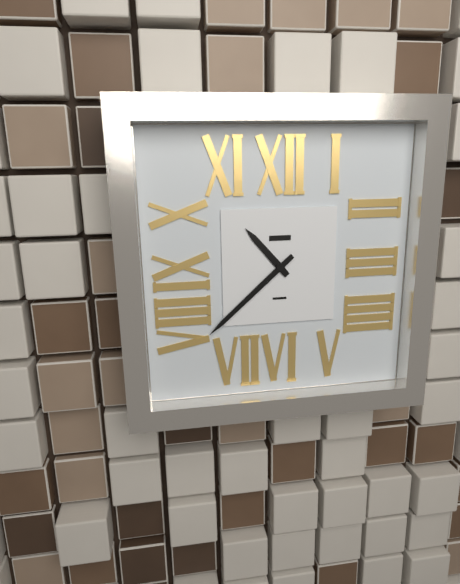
10:38
